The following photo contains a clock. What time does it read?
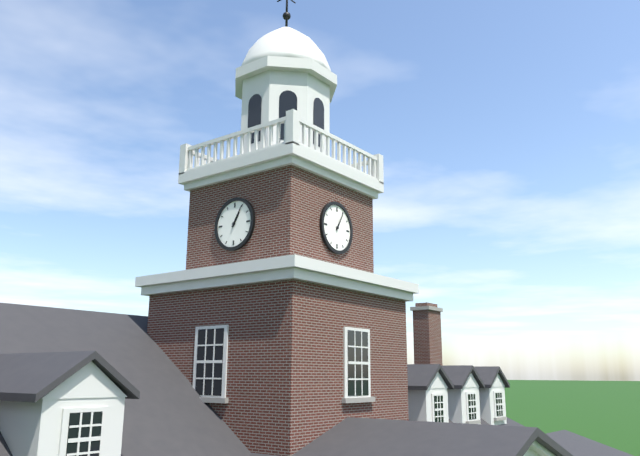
1:05
